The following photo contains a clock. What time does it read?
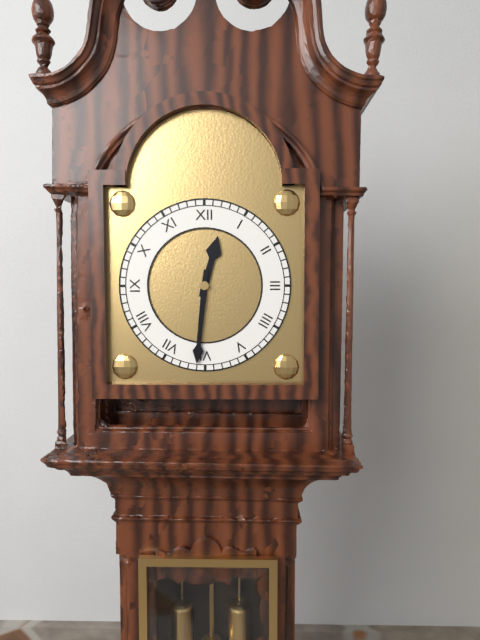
12:31
